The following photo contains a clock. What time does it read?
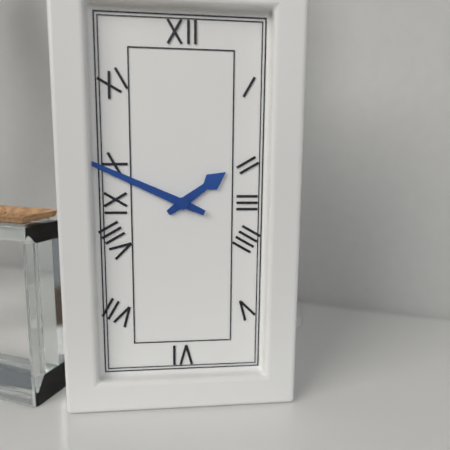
1:49
